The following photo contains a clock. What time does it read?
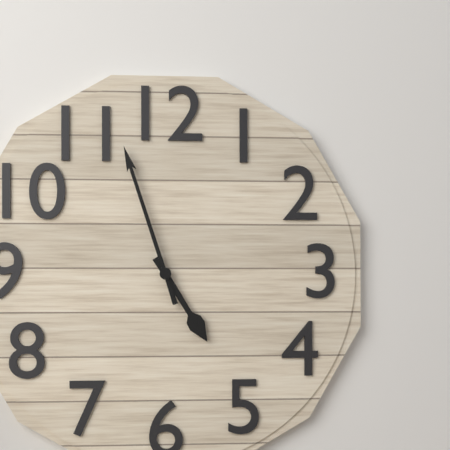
4:57
